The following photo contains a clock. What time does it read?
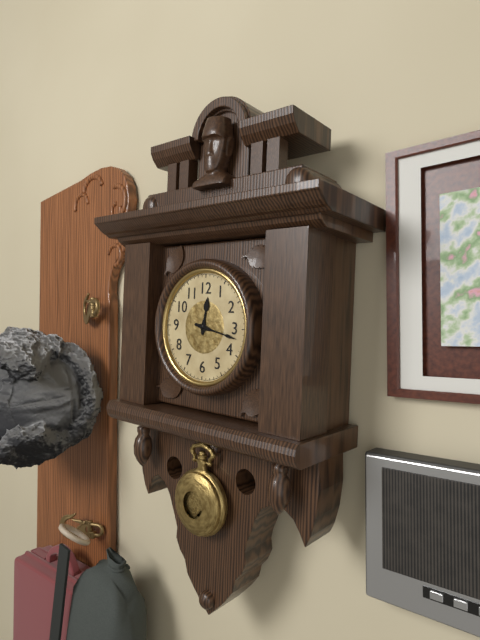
12:17
